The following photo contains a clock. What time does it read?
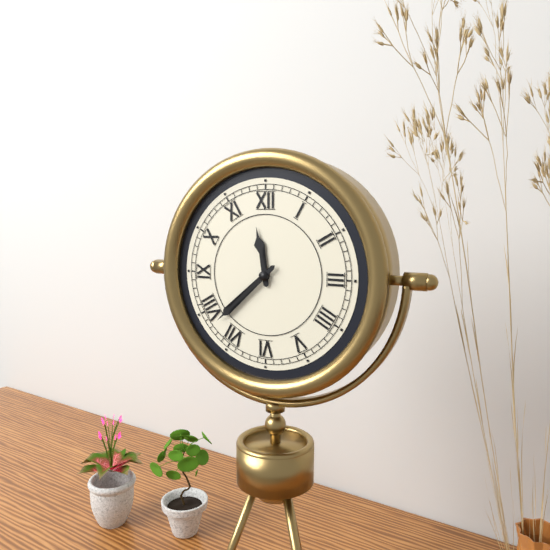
11:38
